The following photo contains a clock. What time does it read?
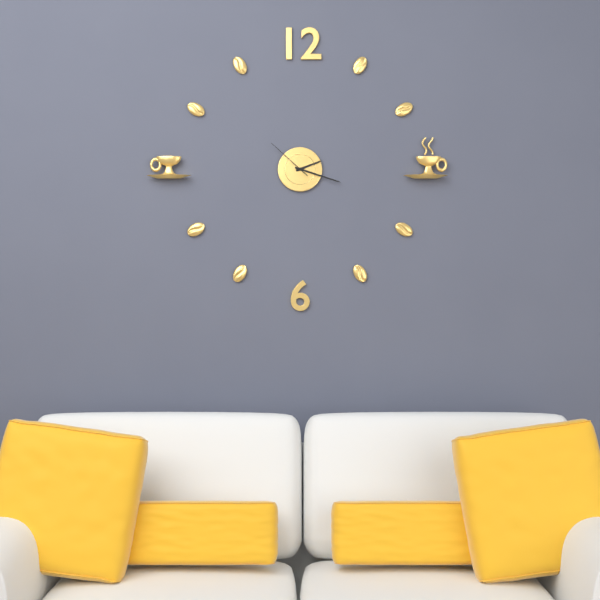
2:18
